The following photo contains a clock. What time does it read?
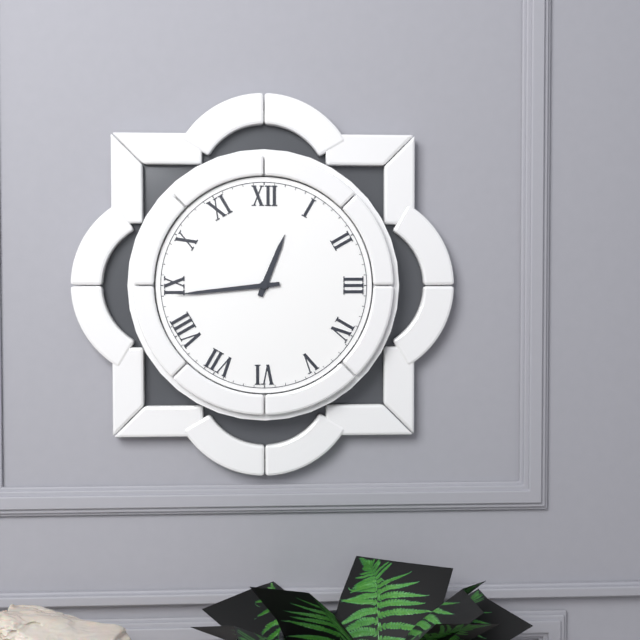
12:44
